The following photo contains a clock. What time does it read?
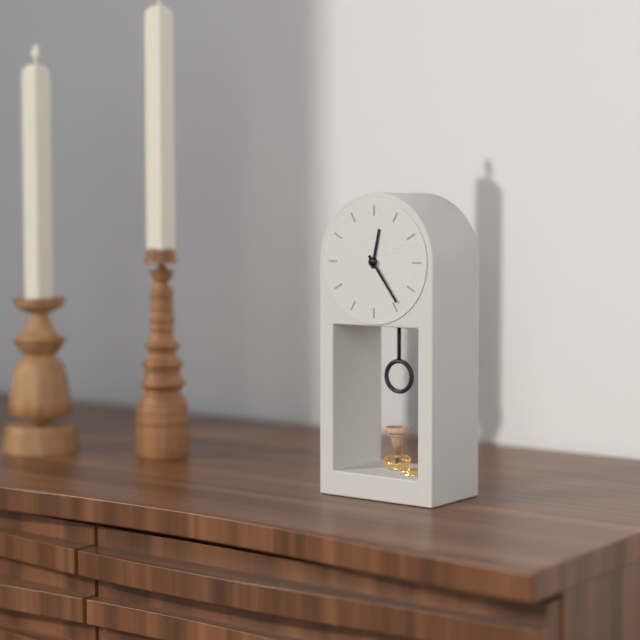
12:24
